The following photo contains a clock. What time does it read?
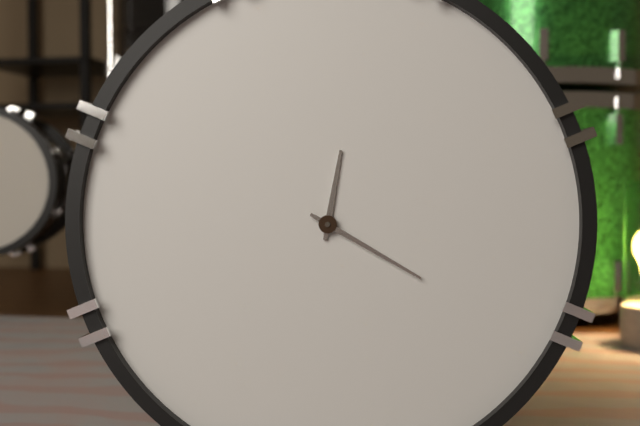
12:20
